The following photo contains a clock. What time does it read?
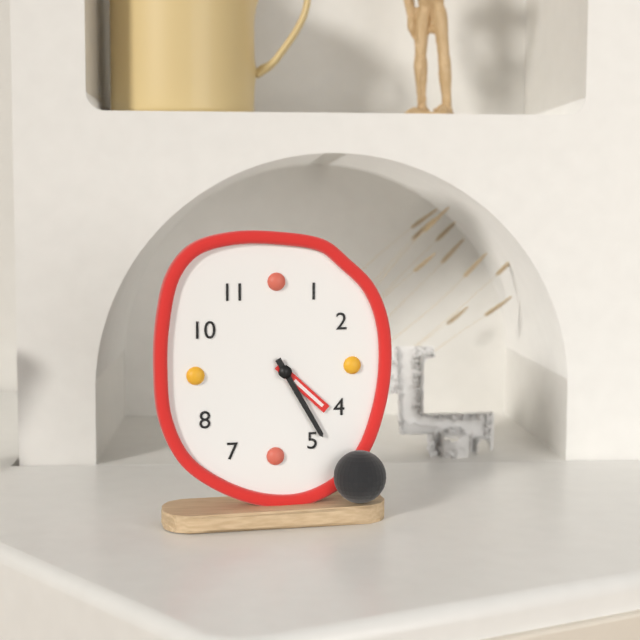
4:25
